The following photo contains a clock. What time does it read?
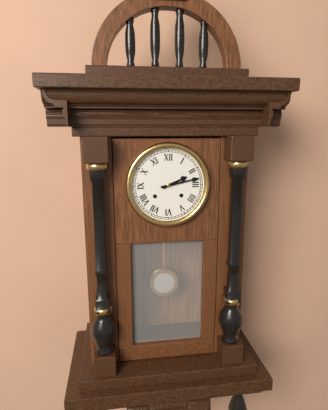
2:13
